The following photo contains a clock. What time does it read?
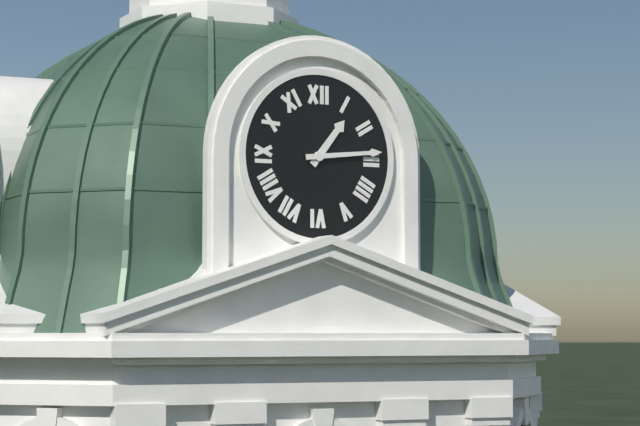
1:14
